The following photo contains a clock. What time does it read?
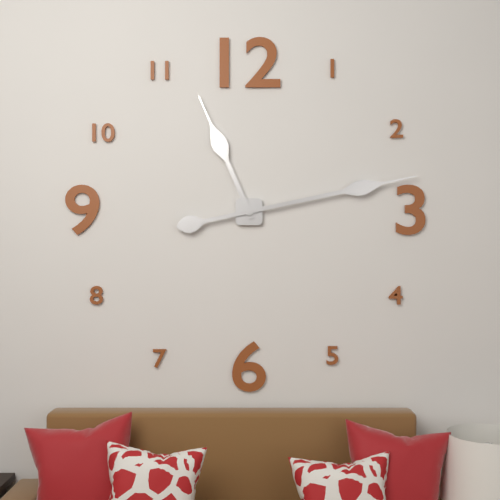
11:13
